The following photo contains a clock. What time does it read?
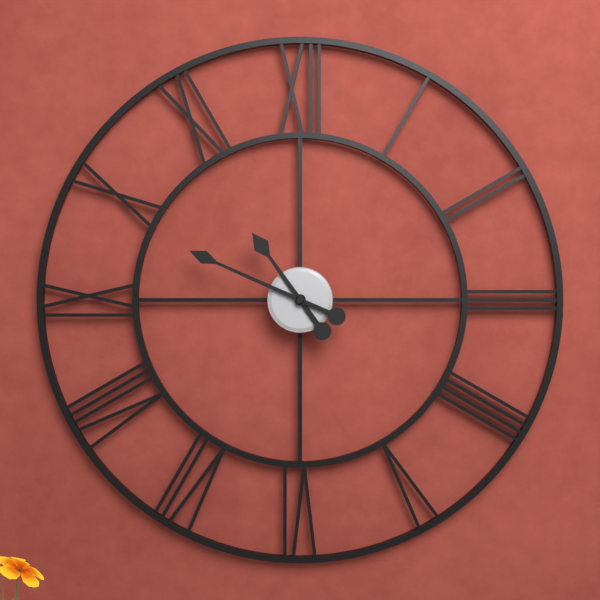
10:49
